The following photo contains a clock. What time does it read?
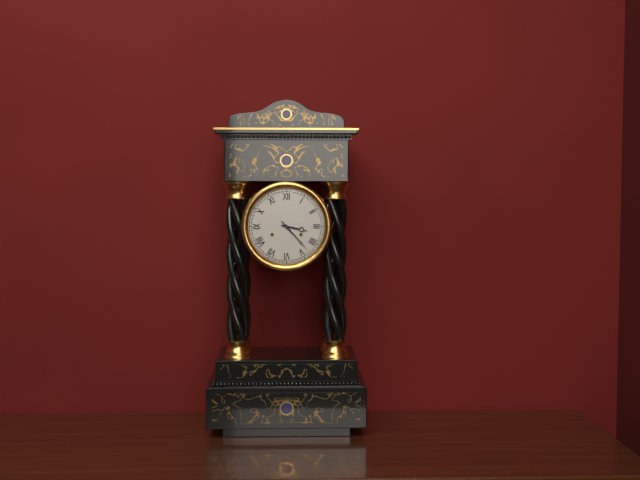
3:23
